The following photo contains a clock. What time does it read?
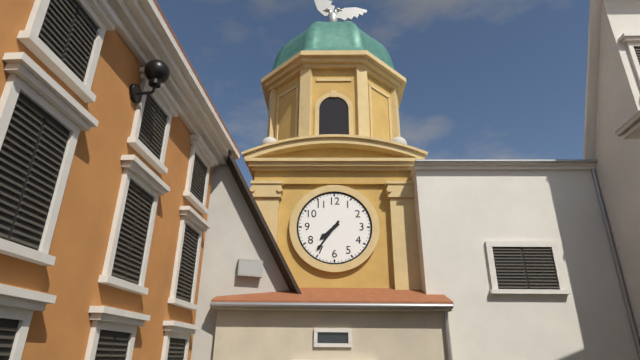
7:36
